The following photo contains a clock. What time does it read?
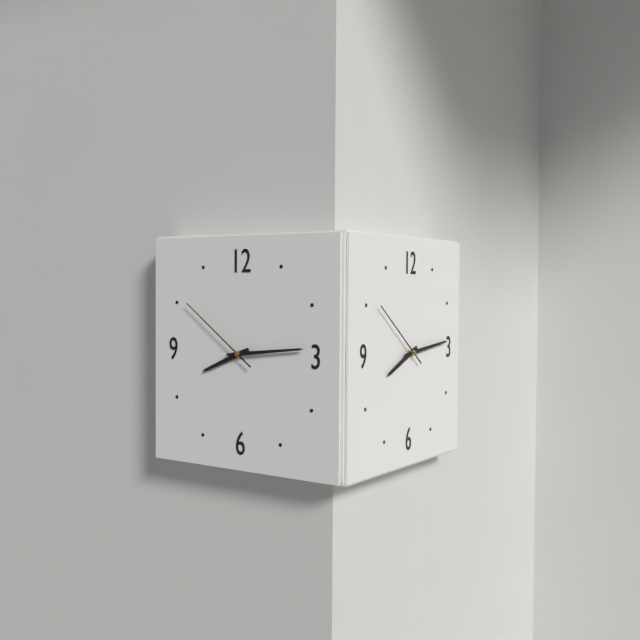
8:14:51
